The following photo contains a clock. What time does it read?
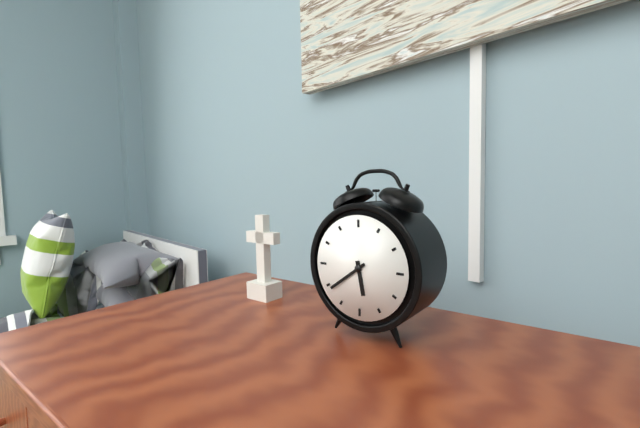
5:39
